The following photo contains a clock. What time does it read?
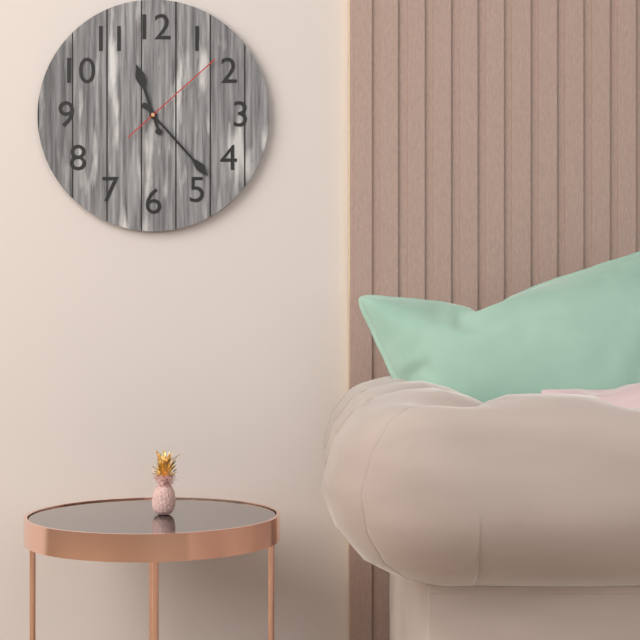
11:23:08
